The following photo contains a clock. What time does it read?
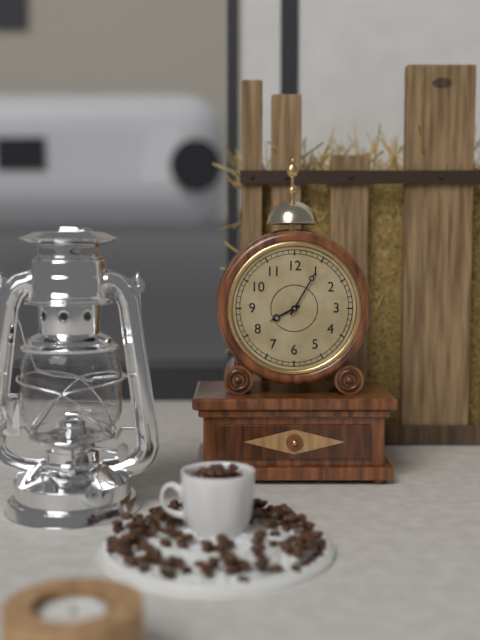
8:05
